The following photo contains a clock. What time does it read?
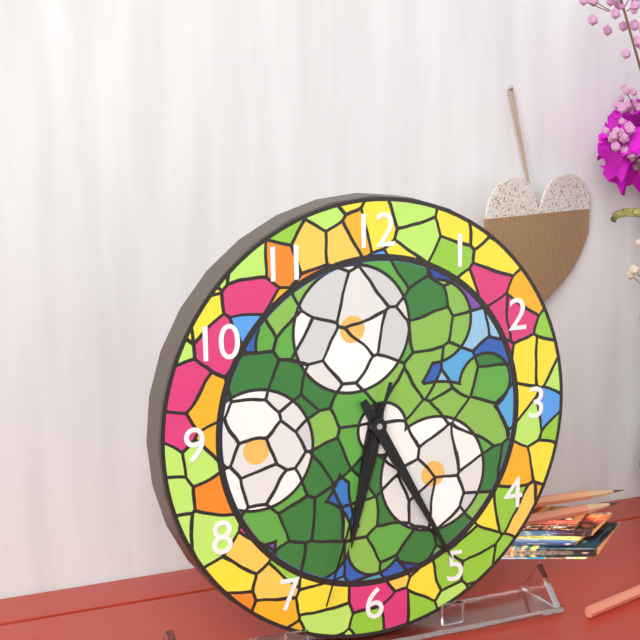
6:25:33
